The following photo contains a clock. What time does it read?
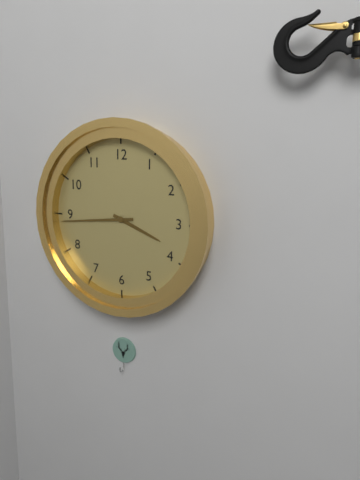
3:44
